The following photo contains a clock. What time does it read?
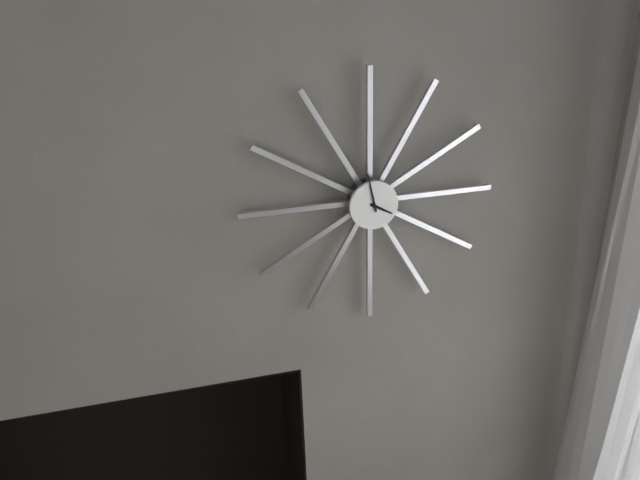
3:58
